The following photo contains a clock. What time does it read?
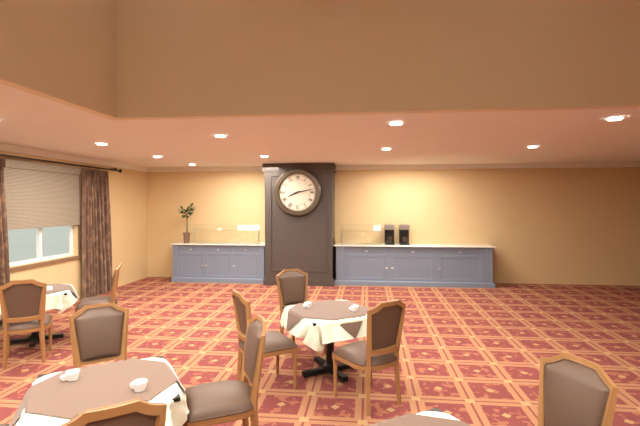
8:13
